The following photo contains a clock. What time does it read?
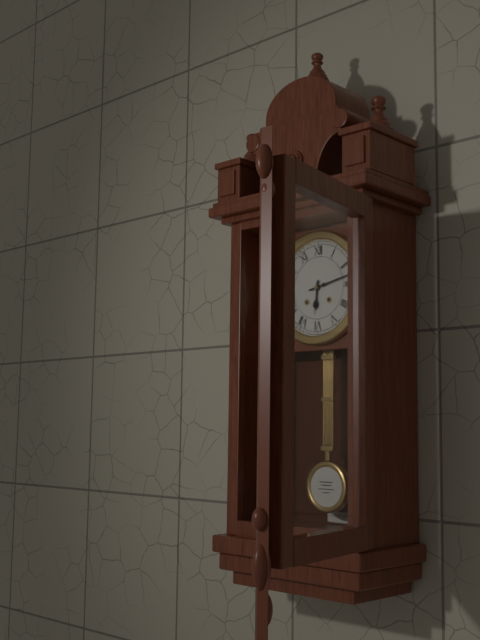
6:13
